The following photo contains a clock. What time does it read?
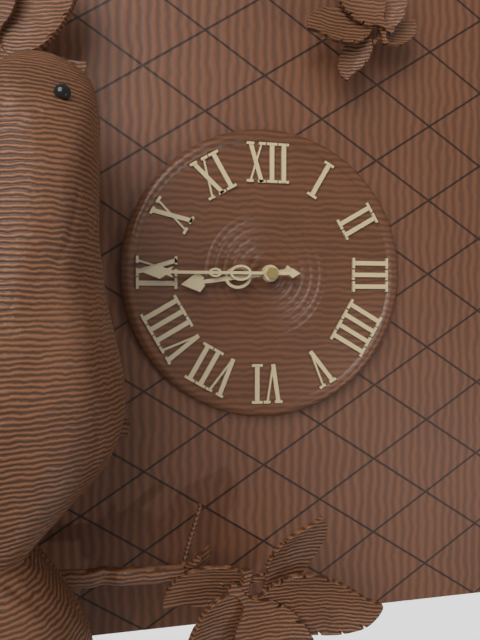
8:45
